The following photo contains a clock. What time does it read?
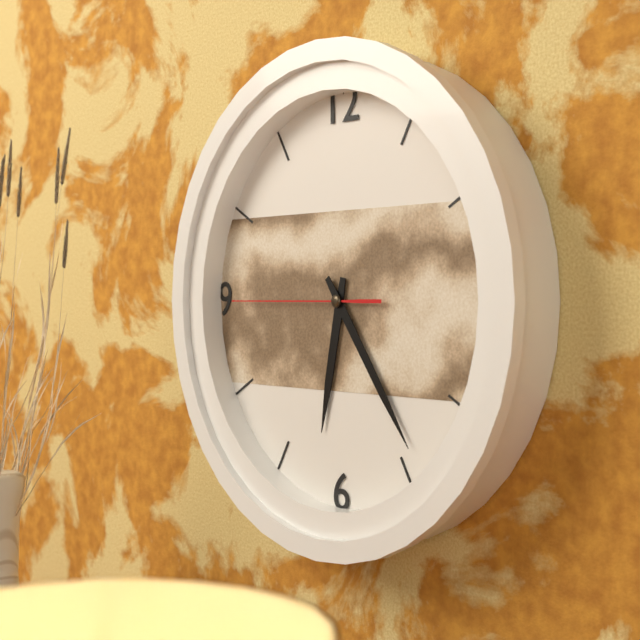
6:24:45
